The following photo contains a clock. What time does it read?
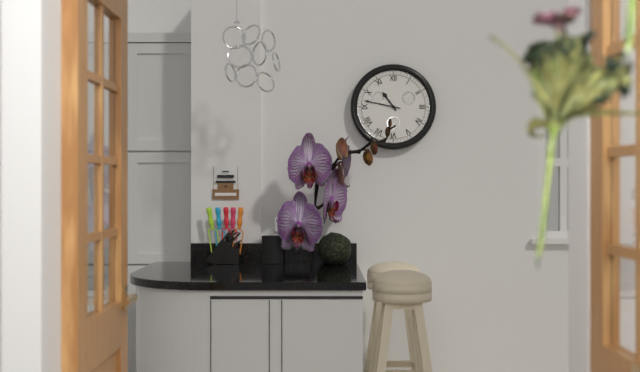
10:47
